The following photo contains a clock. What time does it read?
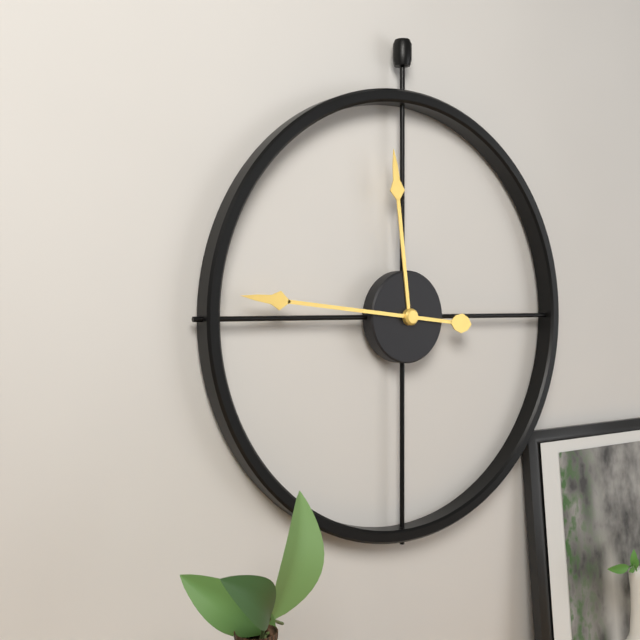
11:46
